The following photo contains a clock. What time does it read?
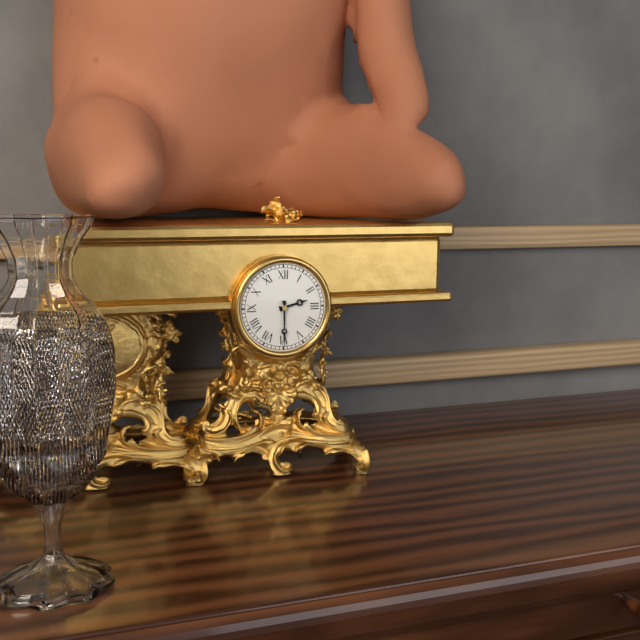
2:30
